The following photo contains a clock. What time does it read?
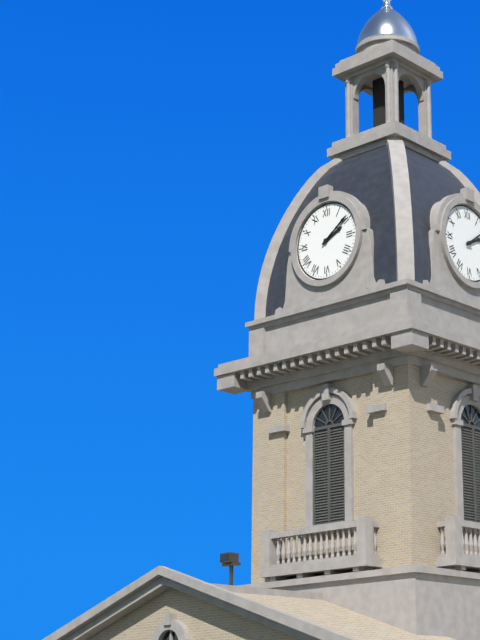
2:09
